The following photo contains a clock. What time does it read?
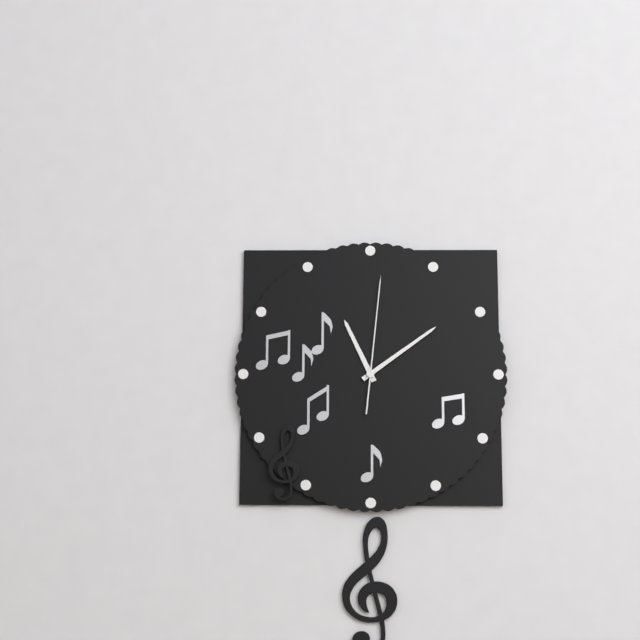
11:09:01
